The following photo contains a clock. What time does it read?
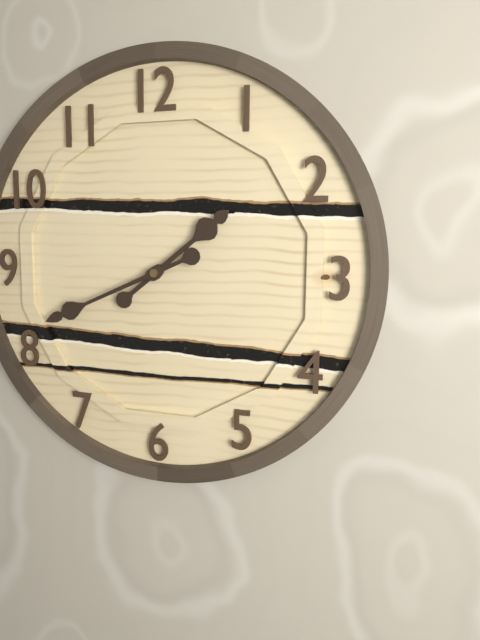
1:41
